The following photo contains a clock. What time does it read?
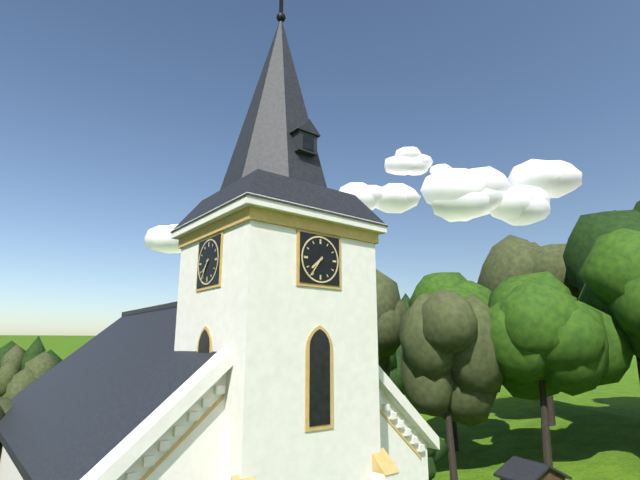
7:36
